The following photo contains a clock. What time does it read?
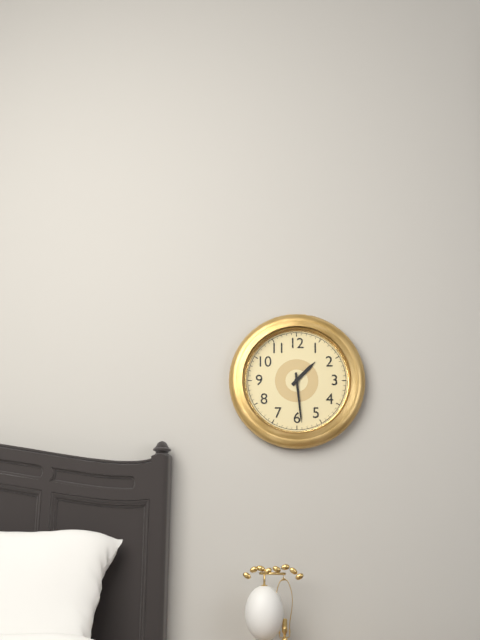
1:29
